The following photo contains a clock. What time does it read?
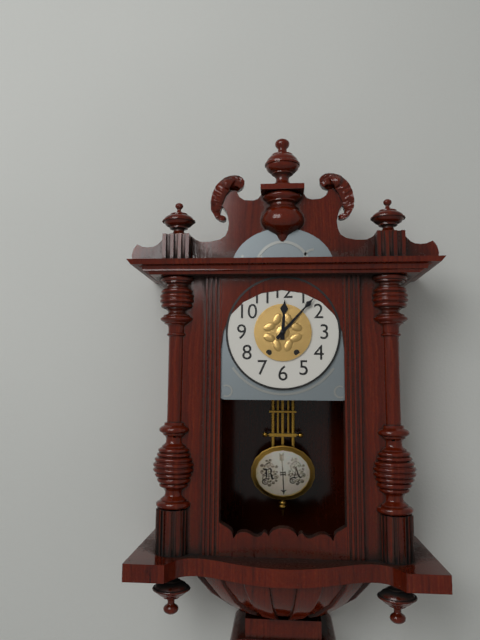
12:07
